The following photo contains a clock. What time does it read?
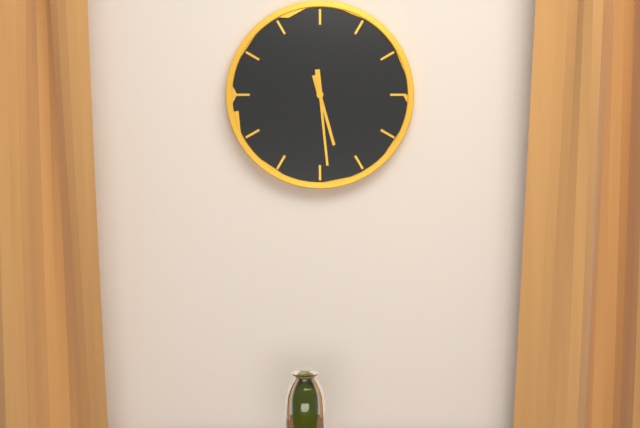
5:29
